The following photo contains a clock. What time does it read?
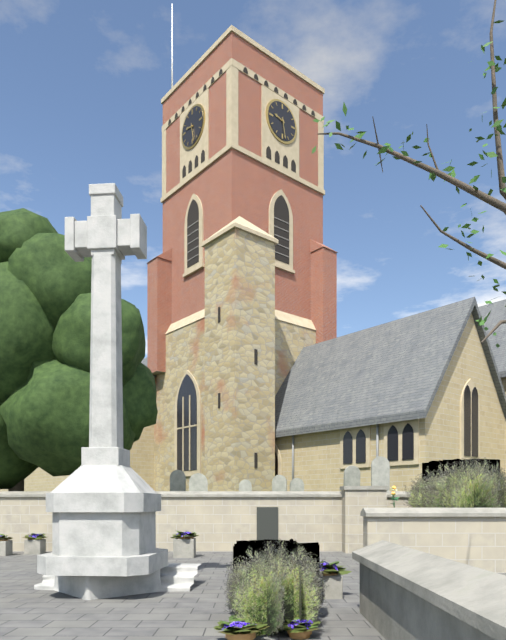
9:28
